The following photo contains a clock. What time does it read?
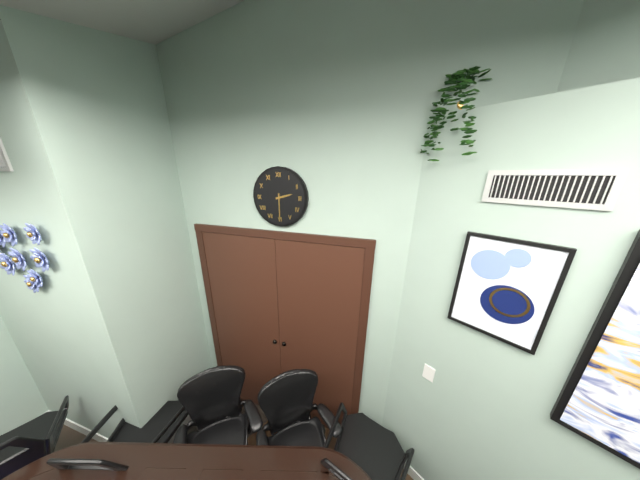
2:30
